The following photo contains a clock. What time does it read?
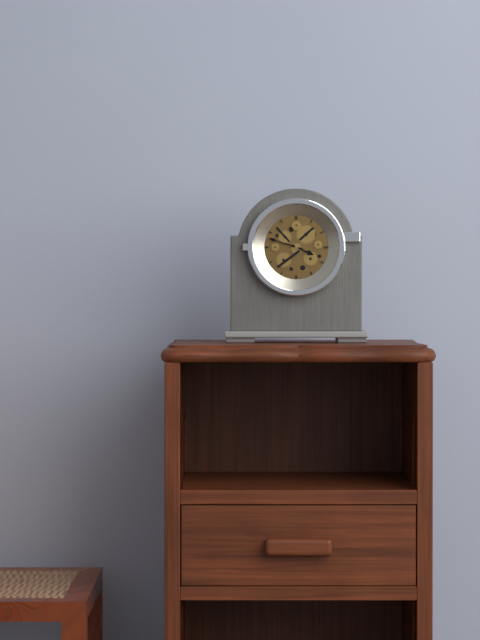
3:48
